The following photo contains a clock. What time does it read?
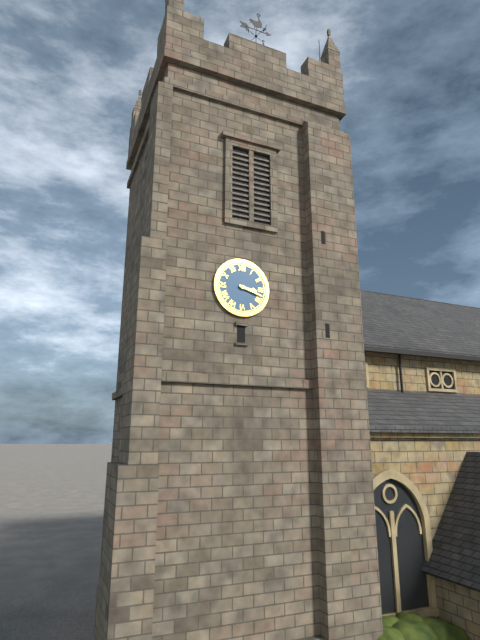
3:18
